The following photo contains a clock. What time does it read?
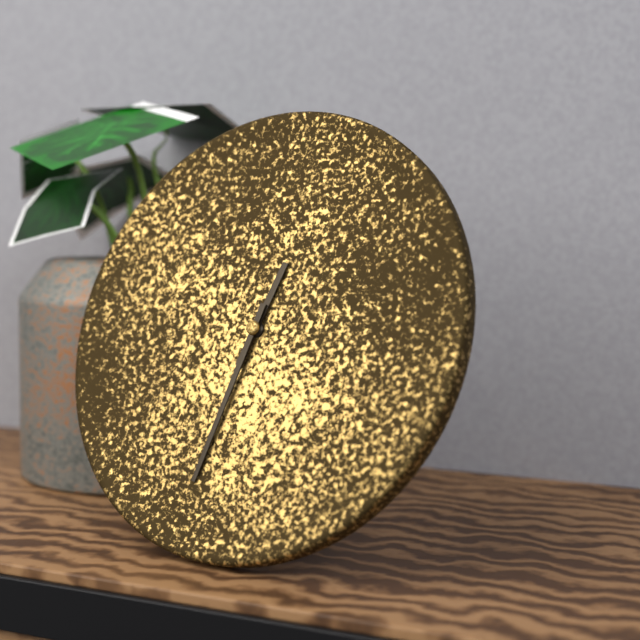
12:32
